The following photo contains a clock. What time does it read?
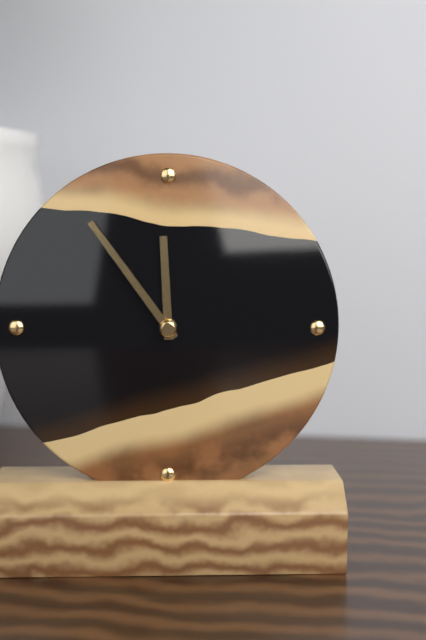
11:54
